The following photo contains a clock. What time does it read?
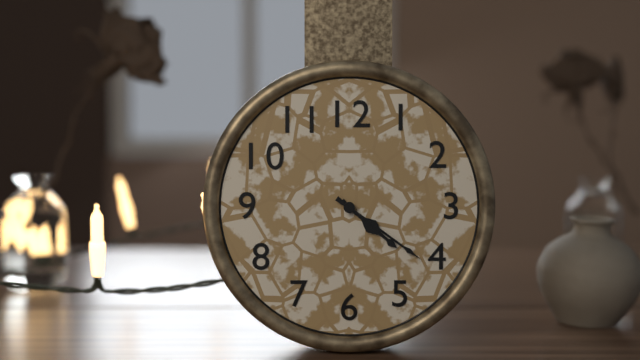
4:21
